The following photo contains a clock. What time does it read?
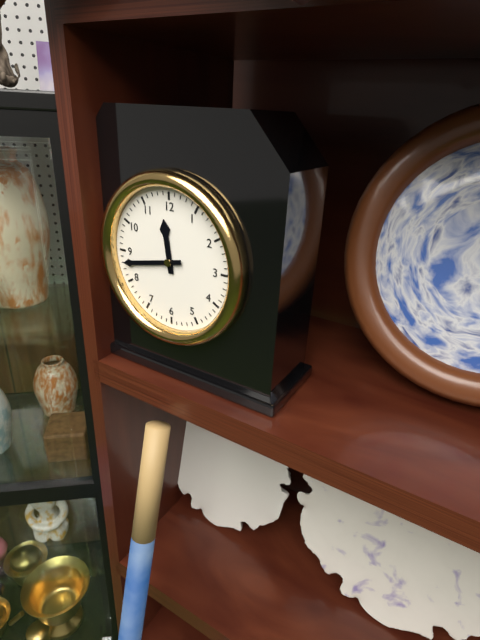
11:43
